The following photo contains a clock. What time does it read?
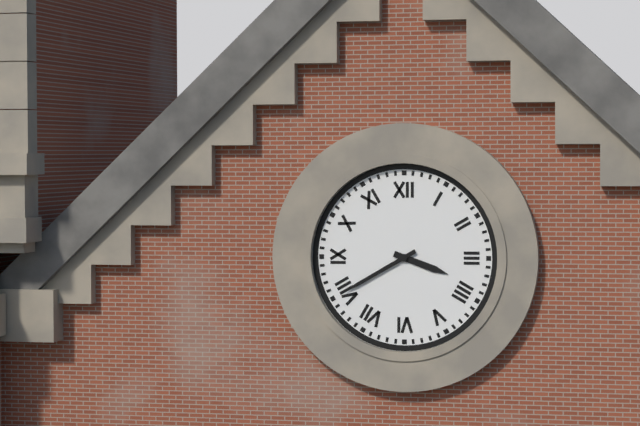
3:40
